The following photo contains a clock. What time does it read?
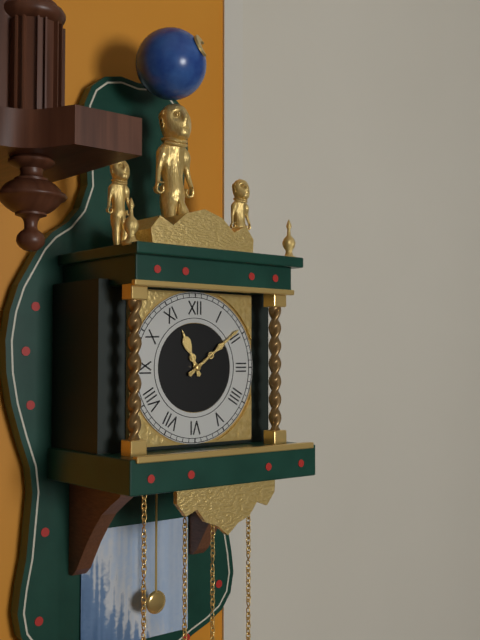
11:09
